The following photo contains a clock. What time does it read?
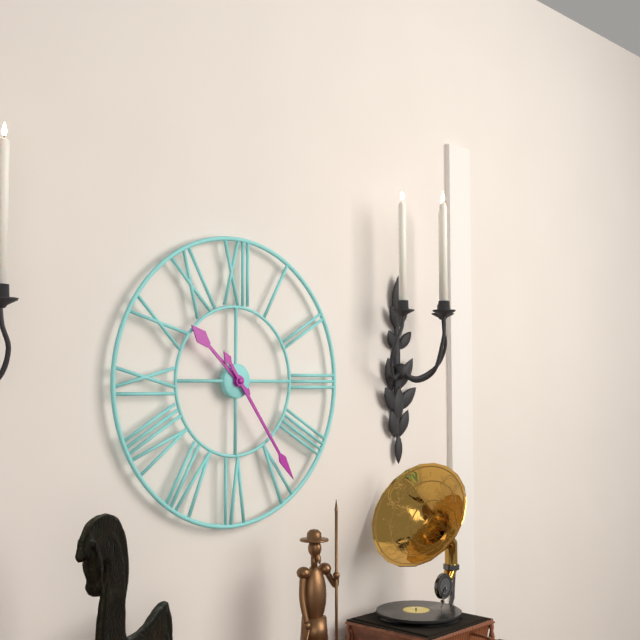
10:24
